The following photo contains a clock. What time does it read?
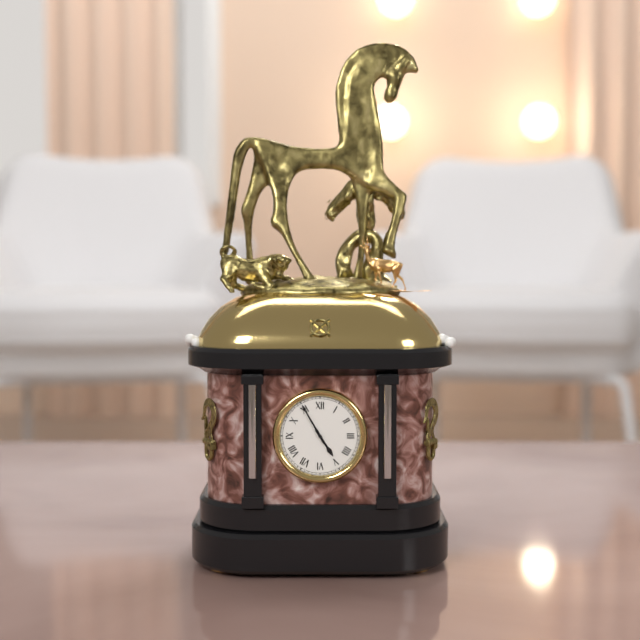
4:55
